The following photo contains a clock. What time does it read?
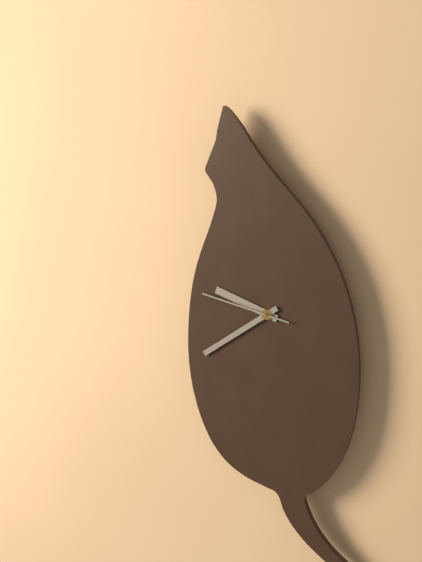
9:39:47
